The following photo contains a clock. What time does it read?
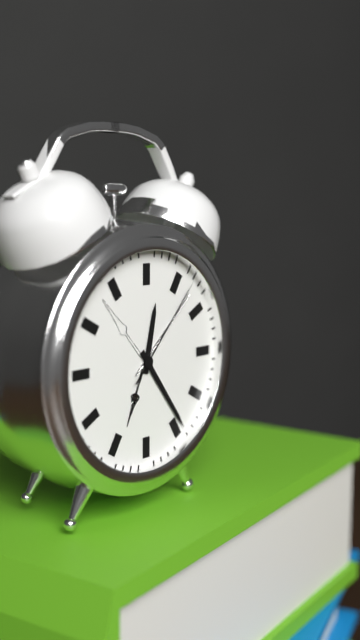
12:24:07
